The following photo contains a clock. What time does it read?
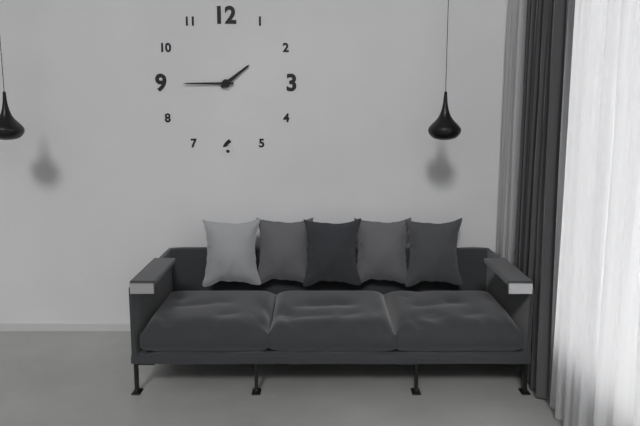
1:45
